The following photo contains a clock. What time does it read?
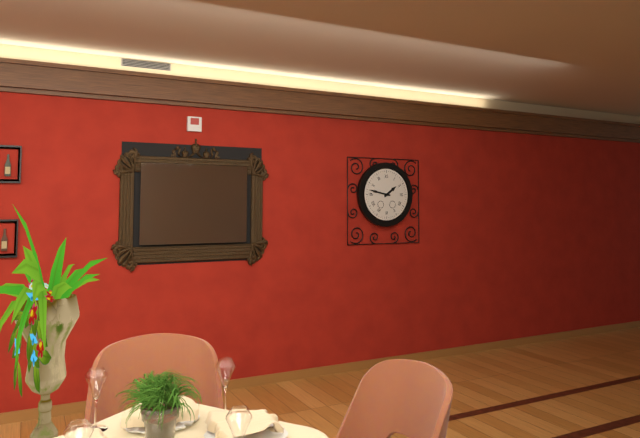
1:47
